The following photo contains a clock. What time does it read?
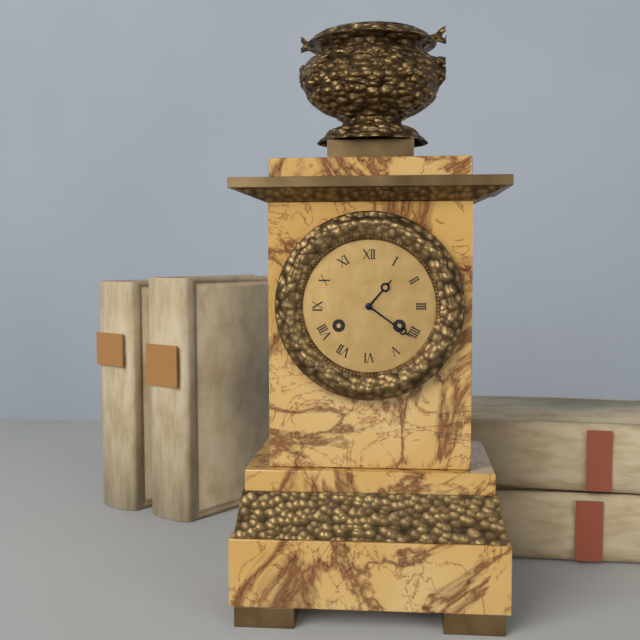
1:21
